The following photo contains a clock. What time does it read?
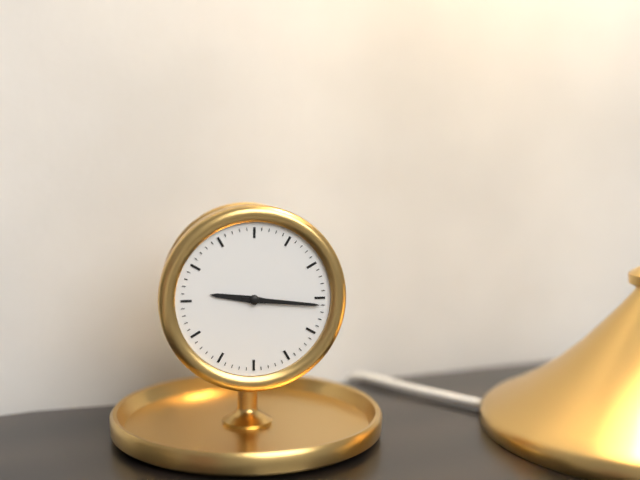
9:16
